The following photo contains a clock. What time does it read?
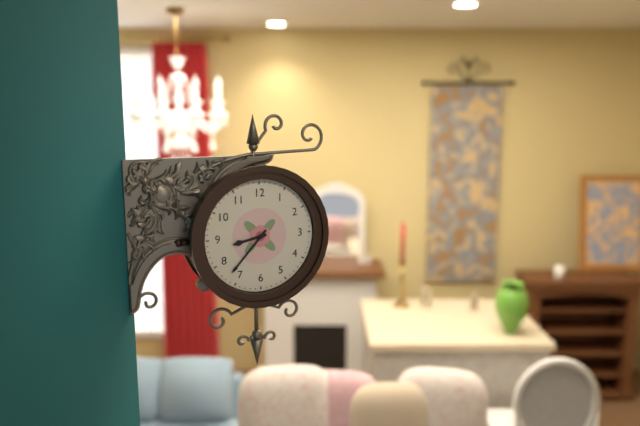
8:37
